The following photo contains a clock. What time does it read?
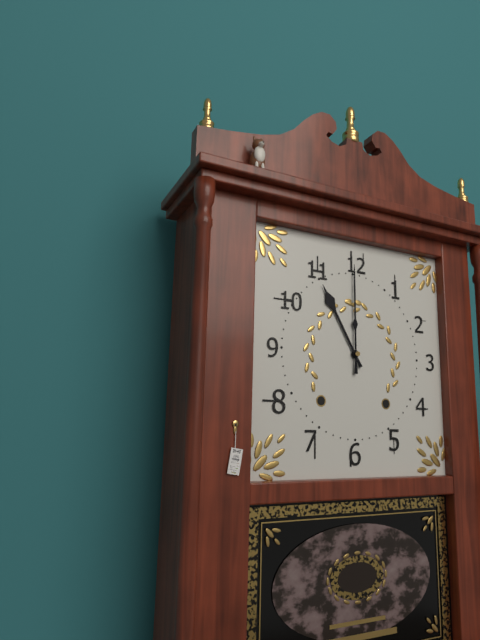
11:00
